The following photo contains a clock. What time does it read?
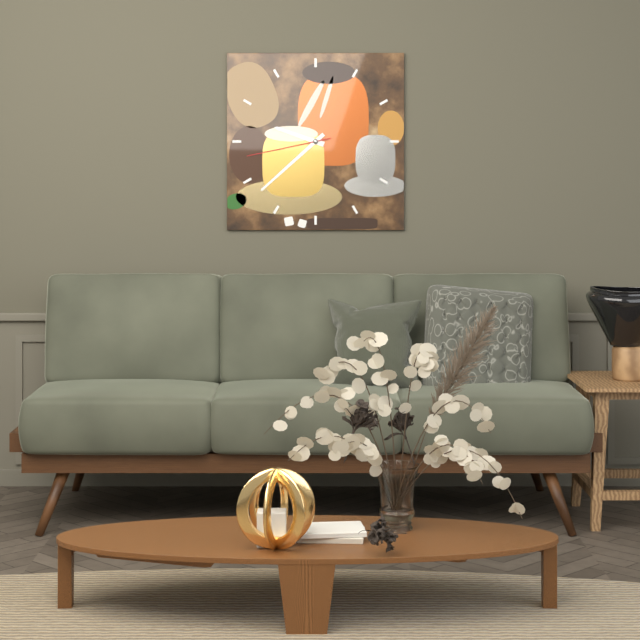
9:38:43
